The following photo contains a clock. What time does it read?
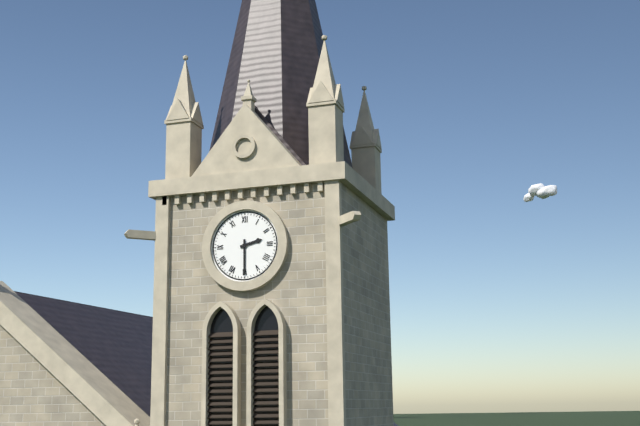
2:30
